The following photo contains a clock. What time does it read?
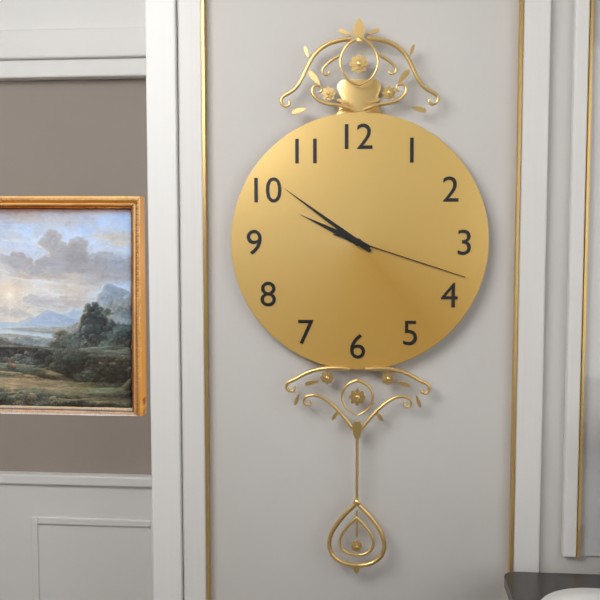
9:51:18
